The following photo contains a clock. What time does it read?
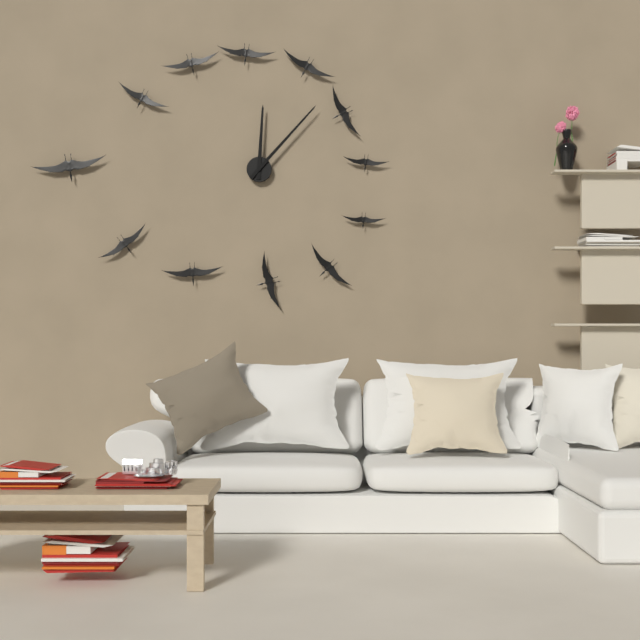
12:07
